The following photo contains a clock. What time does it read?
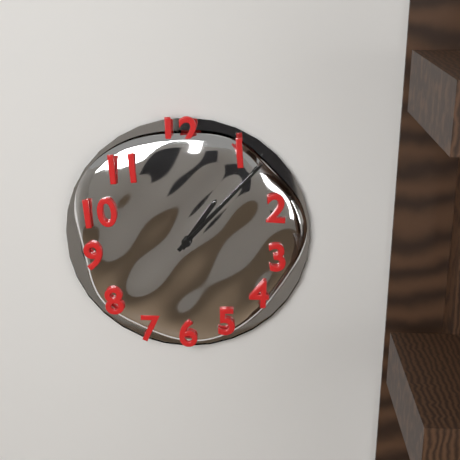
1:07
